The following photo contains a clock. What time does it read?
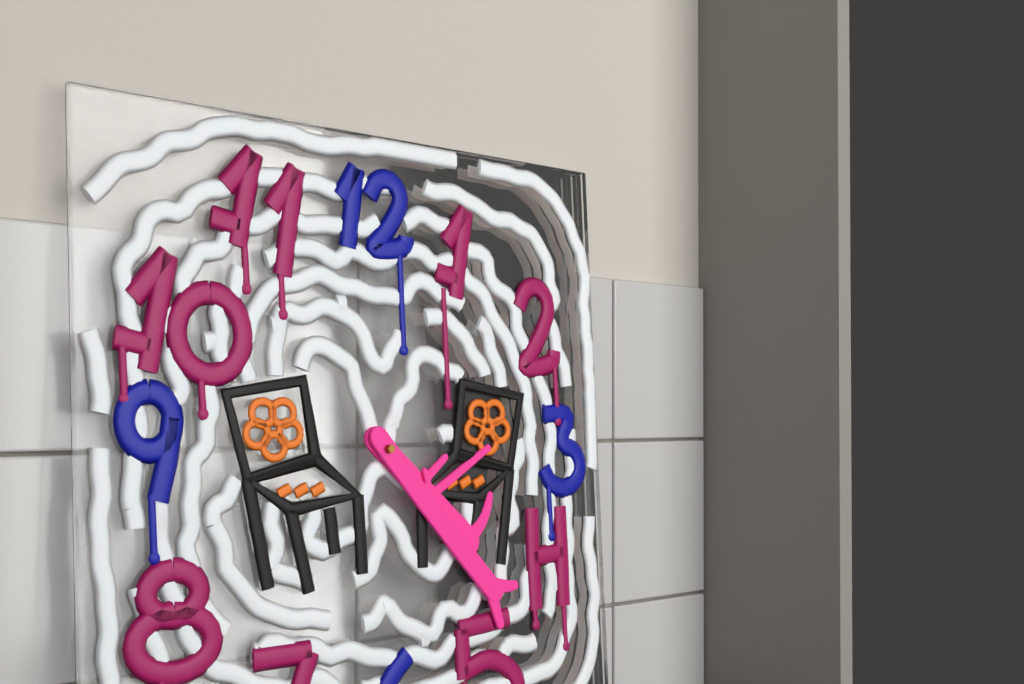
4:23
